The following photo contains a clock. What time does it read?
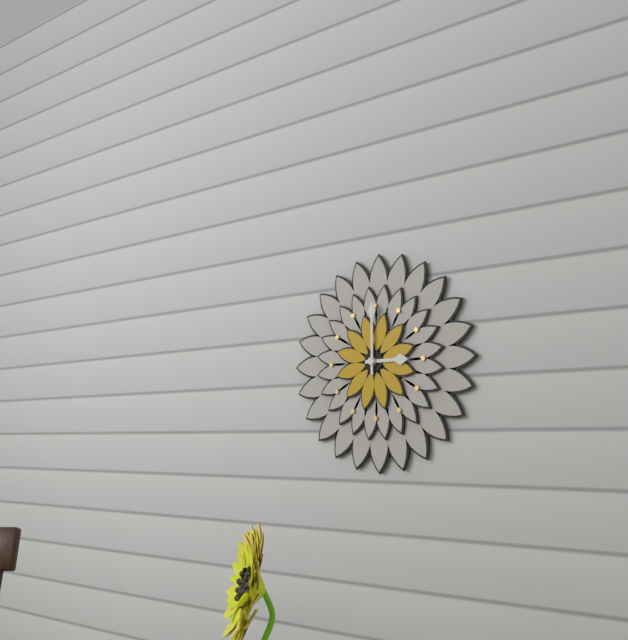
3:00
